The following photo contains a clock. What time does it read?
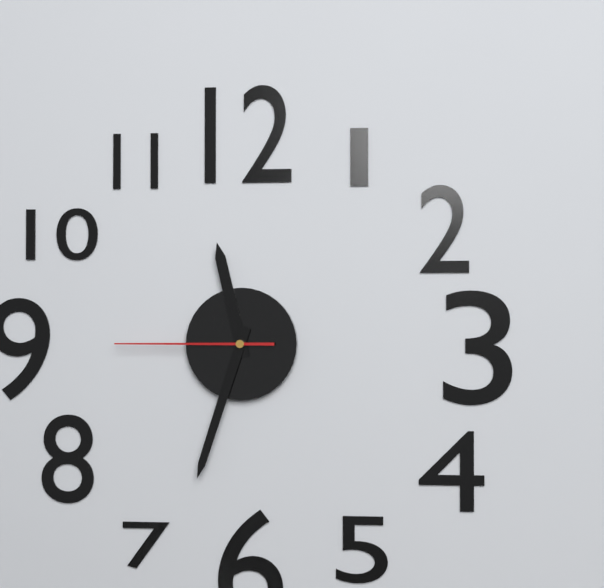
11:33:45
